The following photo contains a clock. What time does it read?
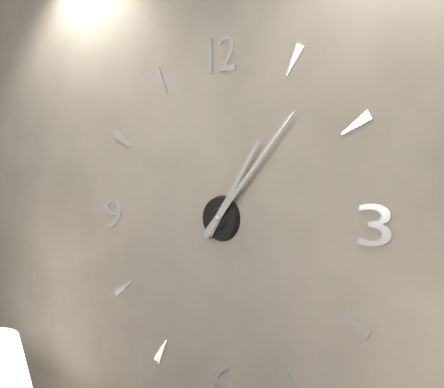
1:07
